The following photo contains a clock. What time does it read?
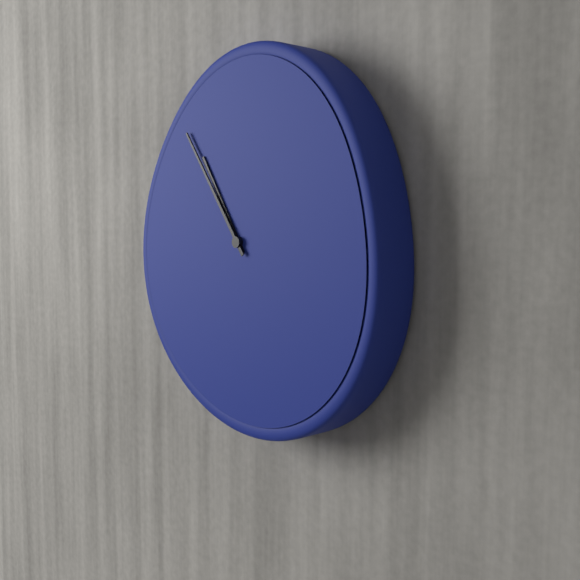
10:54
